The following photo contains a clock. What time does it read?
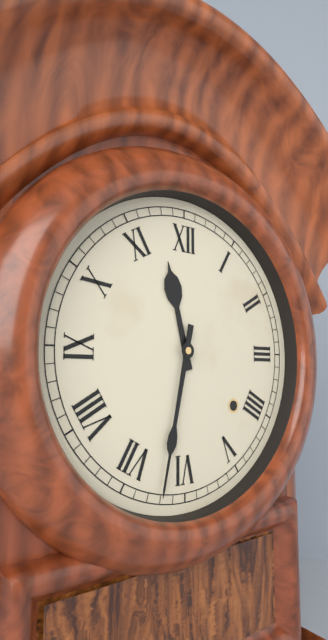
11:32
